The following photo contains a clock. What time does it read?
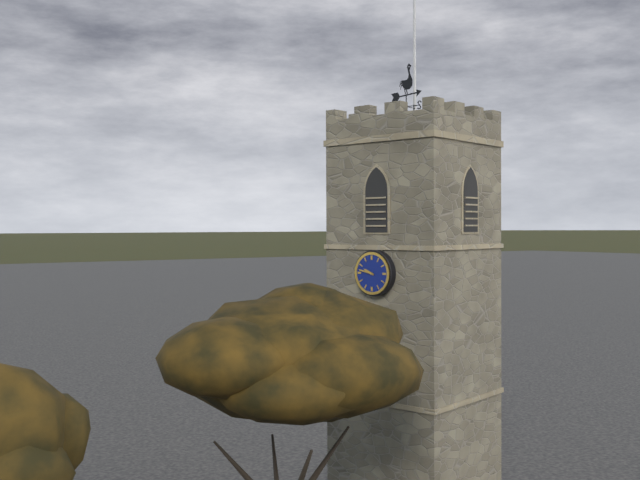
9:47
